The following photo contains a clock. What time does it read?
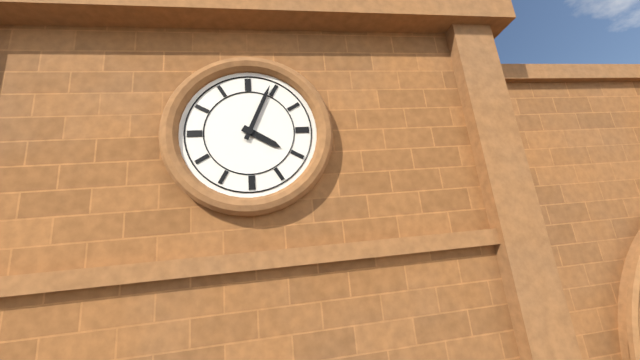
4:04
